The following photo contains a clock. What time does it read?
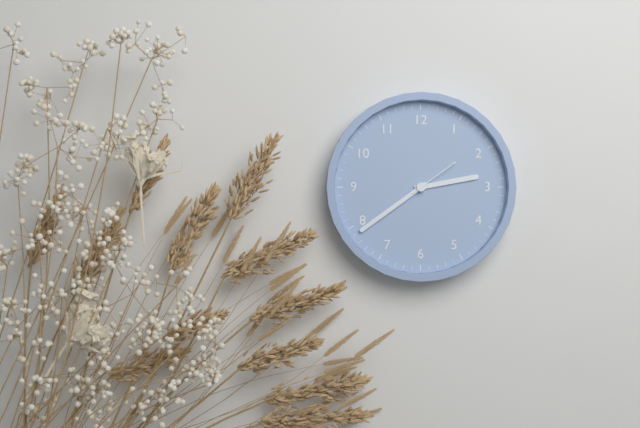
2:39:09
